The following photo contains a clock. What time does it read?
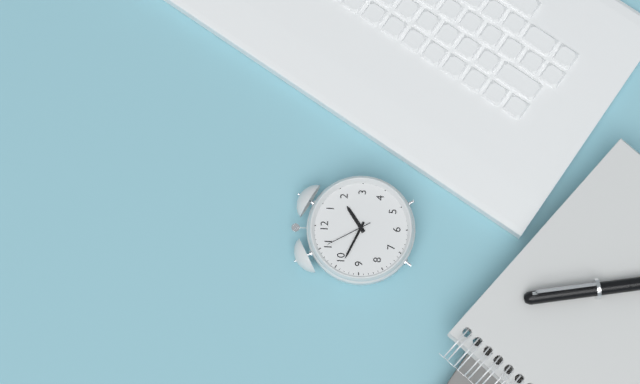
1:49
